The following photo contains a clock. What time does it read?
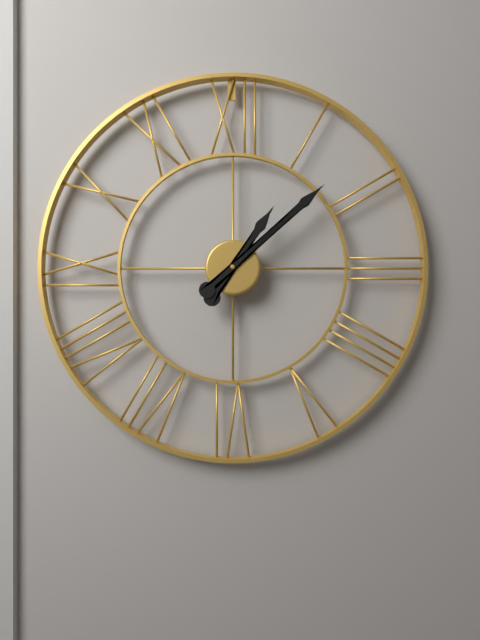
1:08
